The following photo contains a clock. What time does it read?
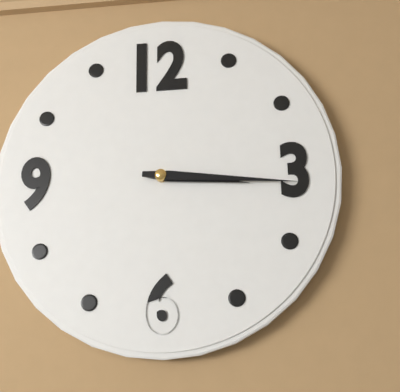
3:16
